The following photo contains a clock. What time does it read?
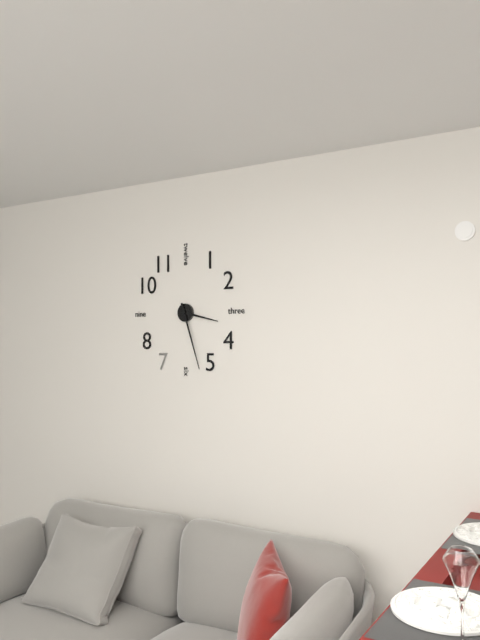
3:27
